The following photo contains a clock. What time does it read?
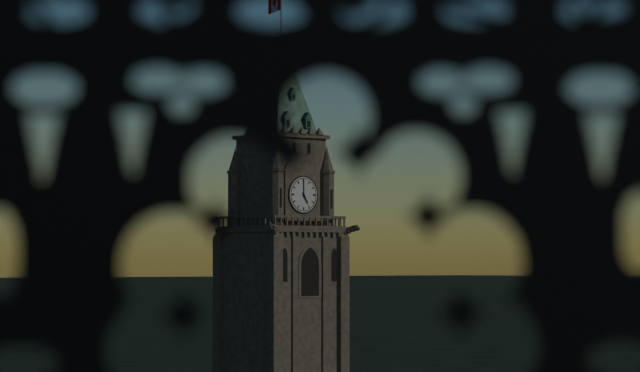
5:00
